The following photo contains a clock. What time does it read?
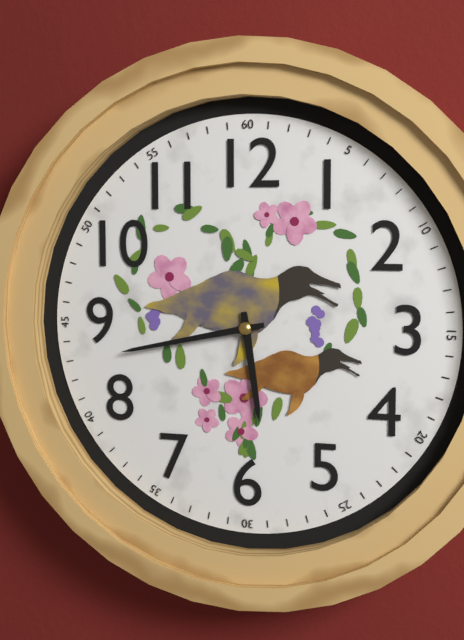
5:43
